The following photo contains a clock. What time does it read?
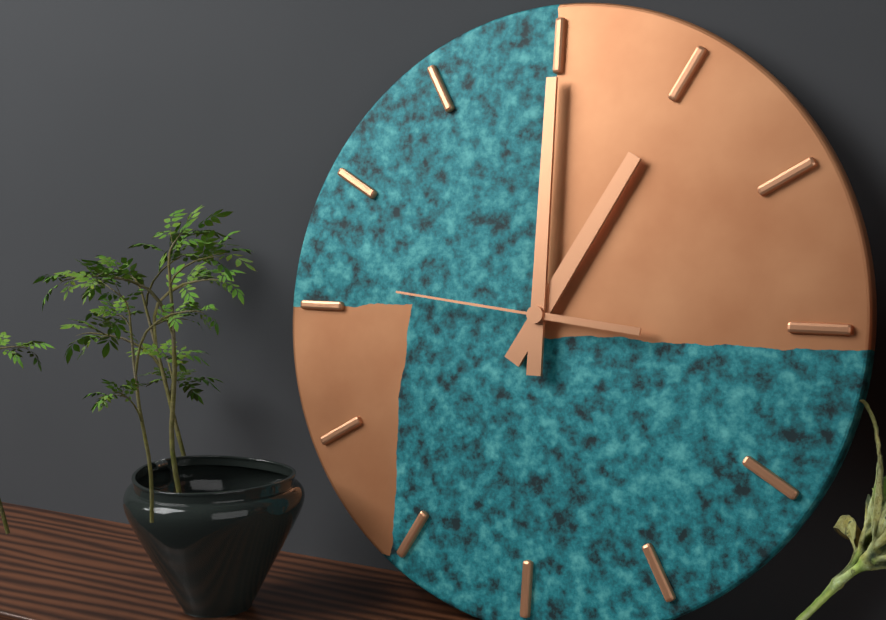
1:00:46
